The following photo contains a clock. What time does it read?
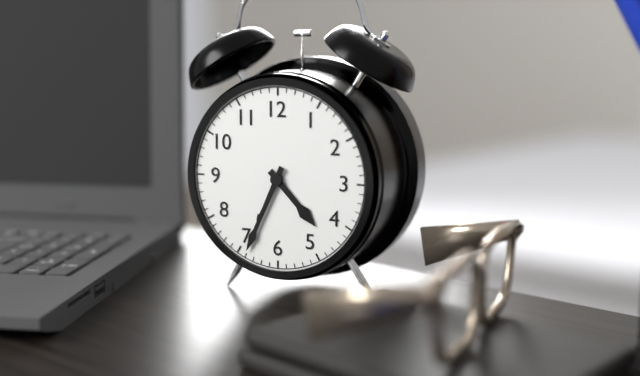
4:34
